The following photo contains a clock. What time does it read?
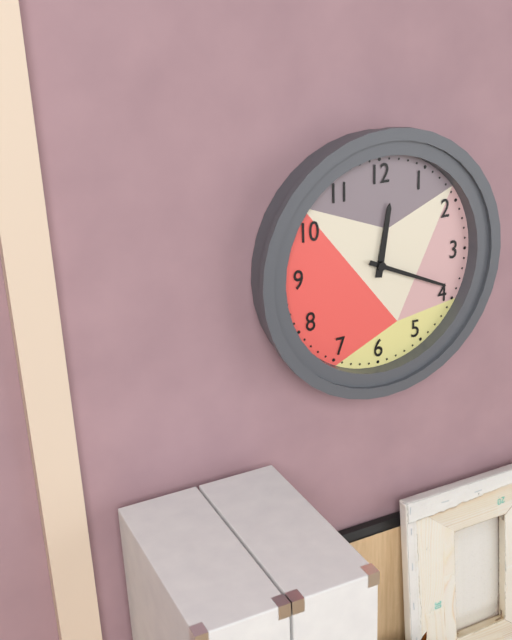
12:19
